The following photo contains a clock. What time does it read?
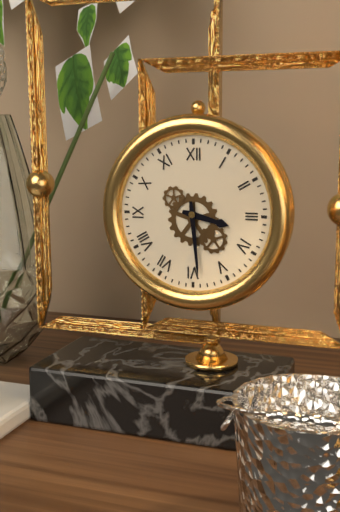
3:29
